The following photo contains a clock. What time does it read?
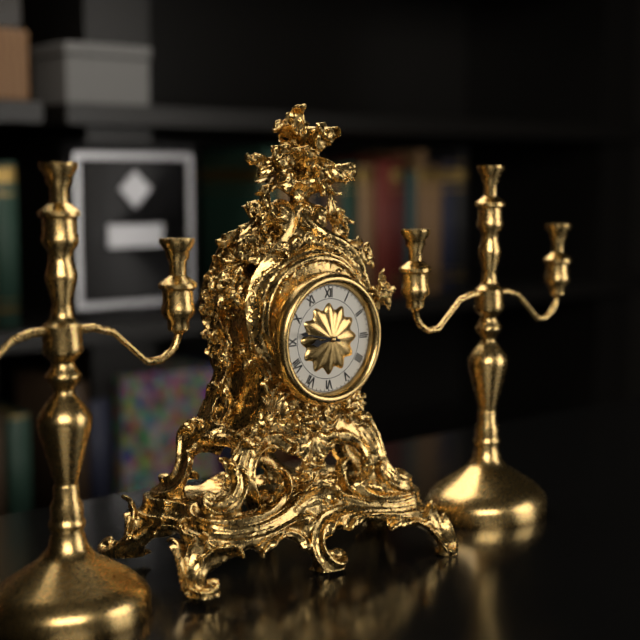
8:47
